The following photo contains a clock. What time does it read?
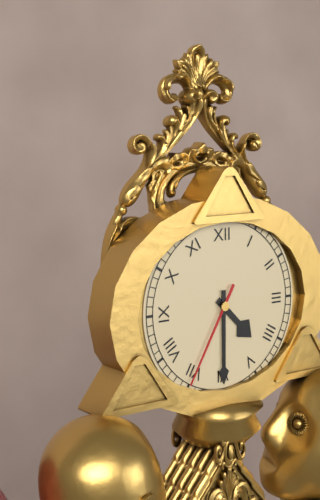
4:30:35
